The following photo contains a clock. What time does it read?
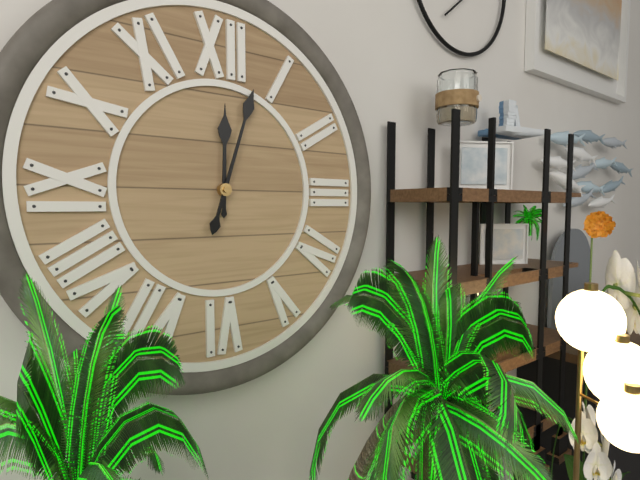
12:03
